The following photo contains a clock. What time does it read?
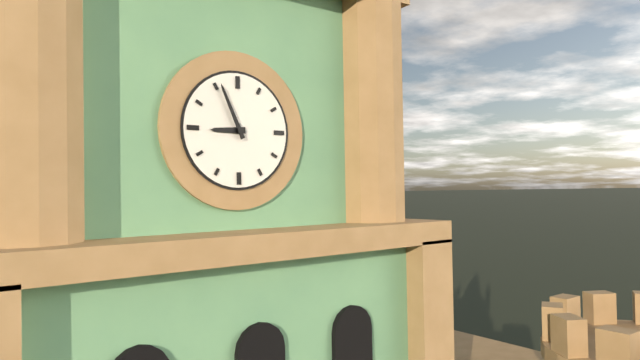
8:56
